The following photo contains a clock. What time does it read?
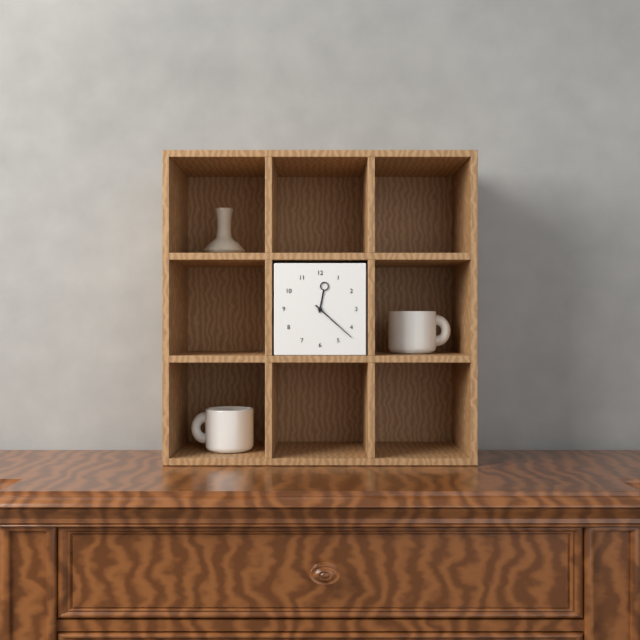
12:22
